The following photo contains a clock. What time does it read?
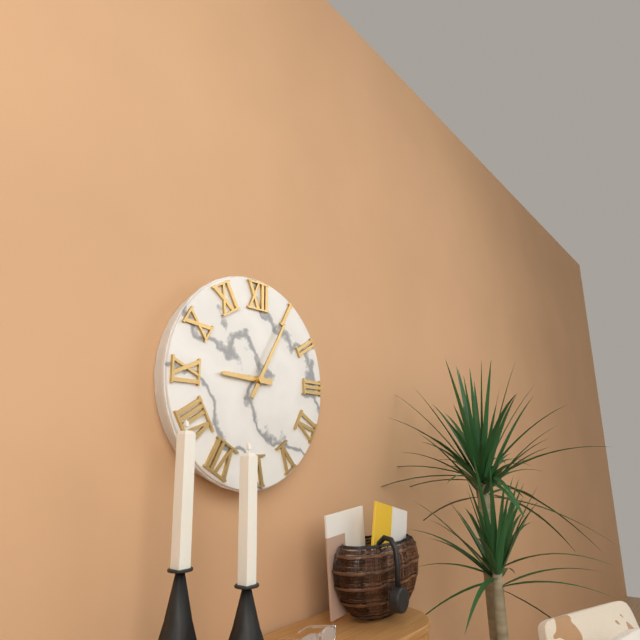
9:05
